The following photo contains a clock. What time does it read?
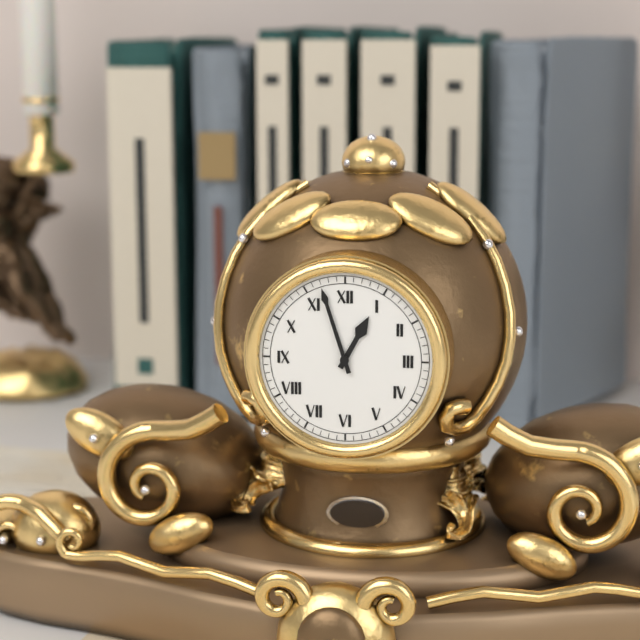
12:57
